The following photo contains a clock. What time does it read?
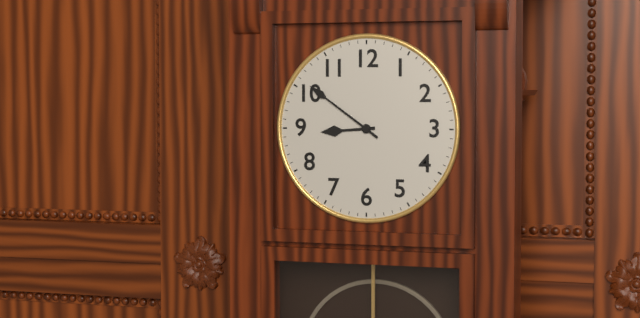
8:51
